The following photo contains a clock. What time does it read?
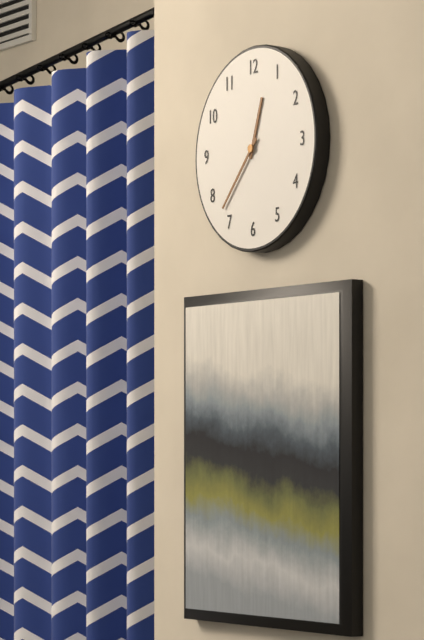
12:37
